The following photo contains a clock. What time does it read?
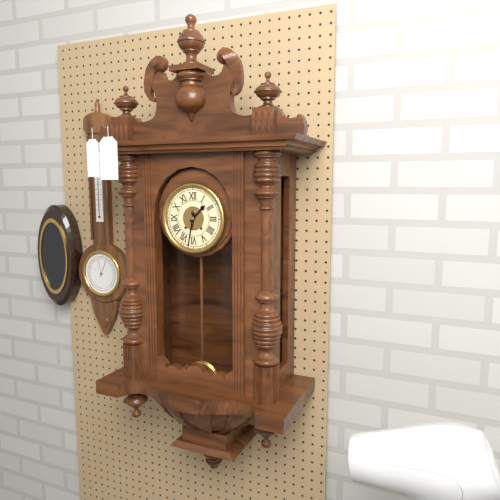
1:32
